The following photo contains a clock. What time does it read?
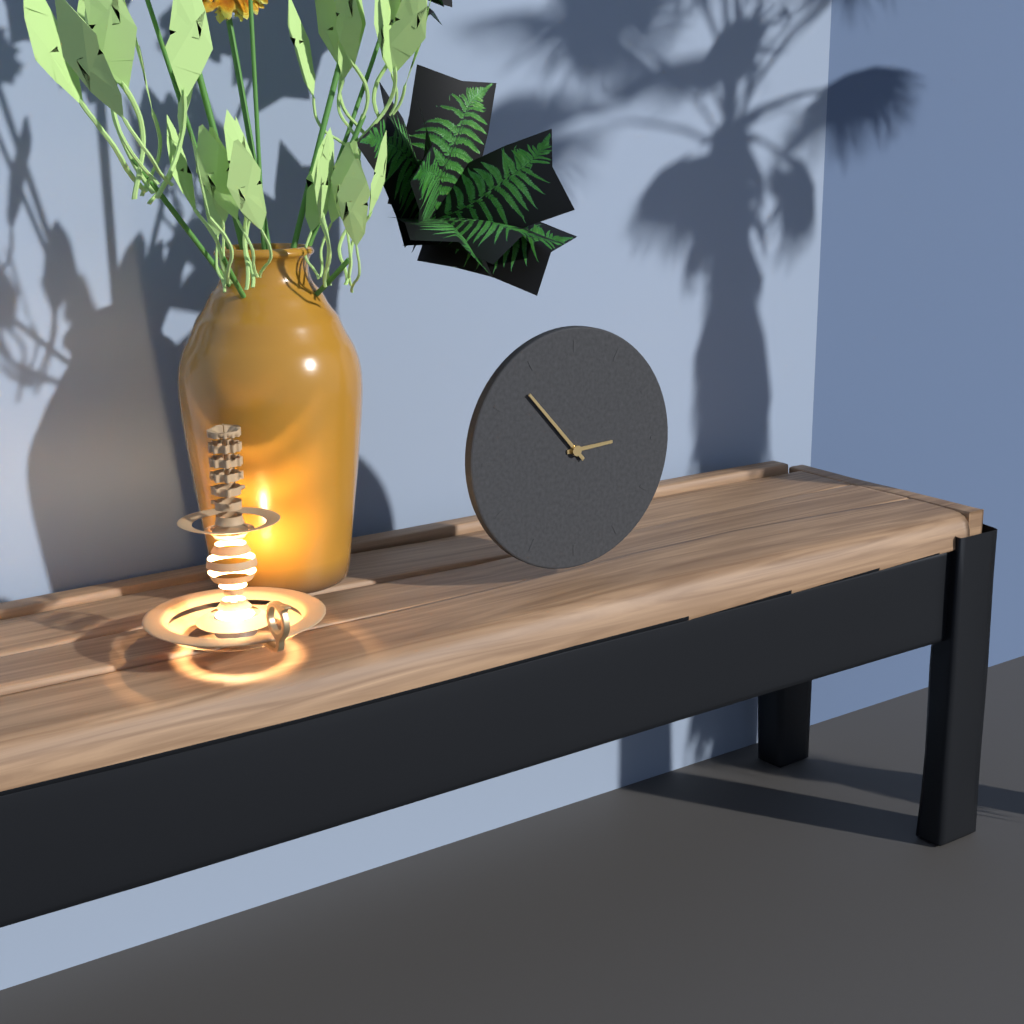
2:53
